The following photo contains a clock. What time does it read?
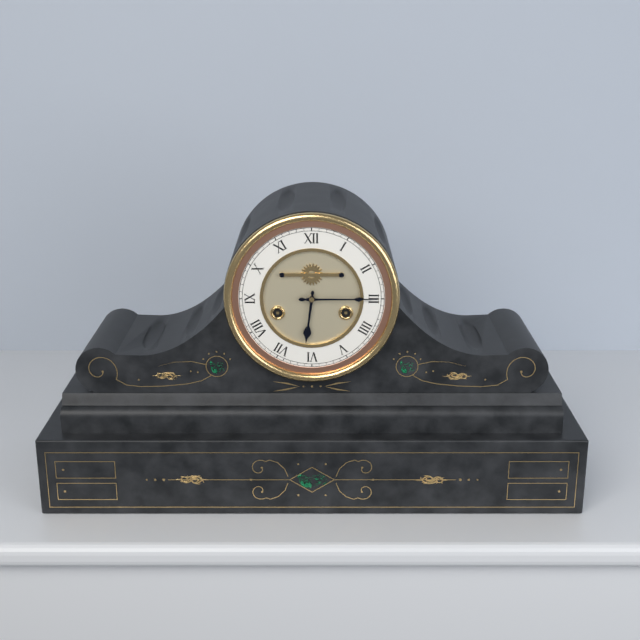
6:15
